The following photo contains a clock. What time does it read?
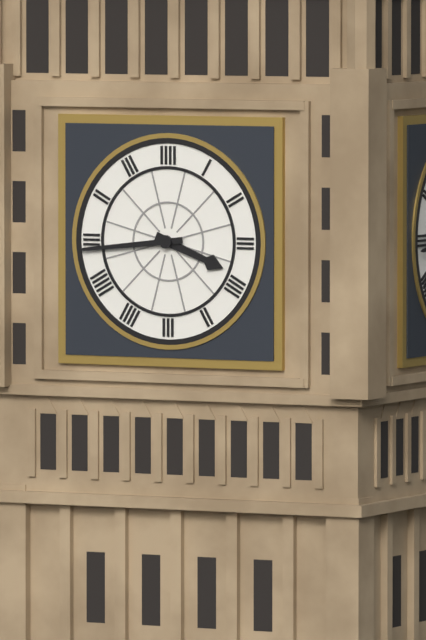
3:44
